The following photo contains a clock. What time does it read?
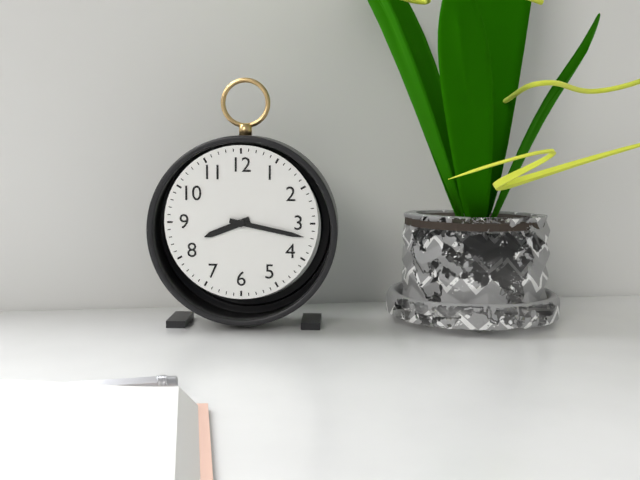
8:17
